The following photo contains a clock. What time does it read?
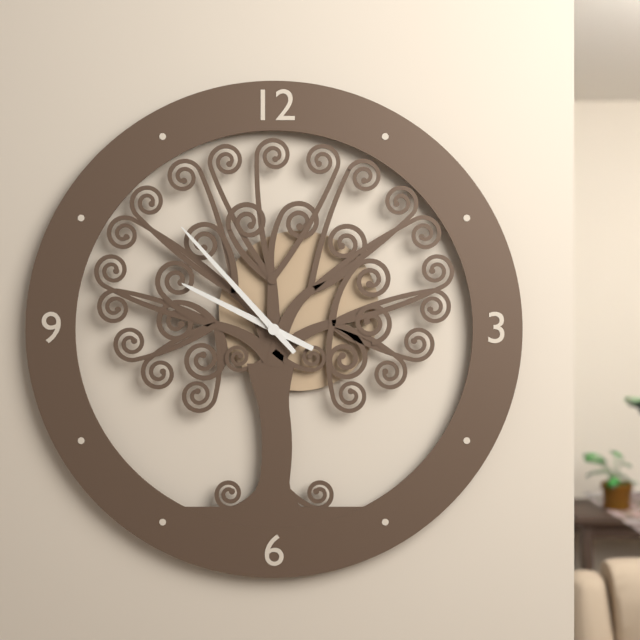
9:53
